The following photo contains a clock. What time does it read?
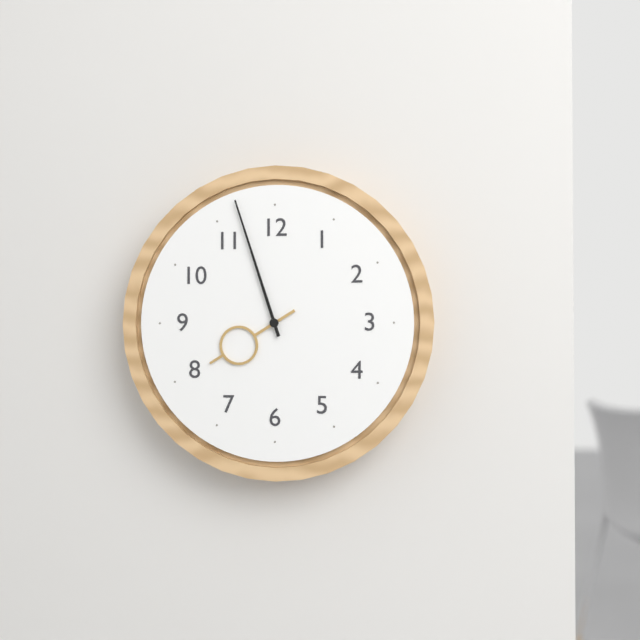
7:57
